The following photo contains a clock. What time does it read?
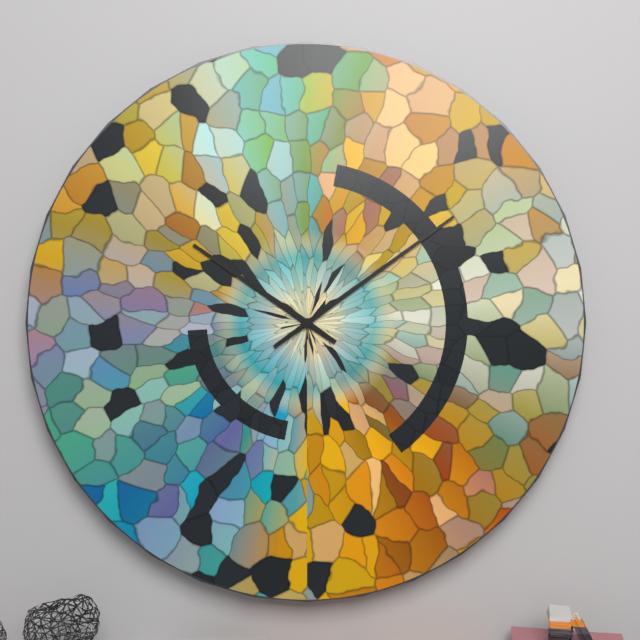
10:09
